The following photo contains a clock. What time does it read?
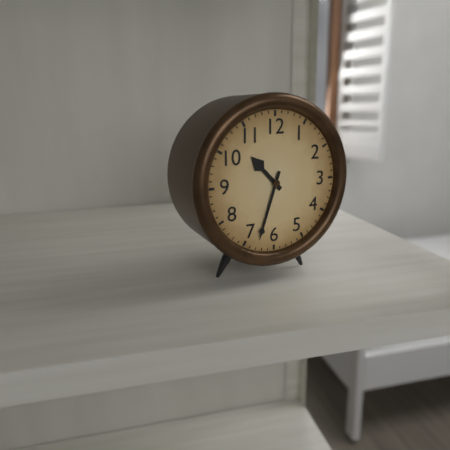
10:33
